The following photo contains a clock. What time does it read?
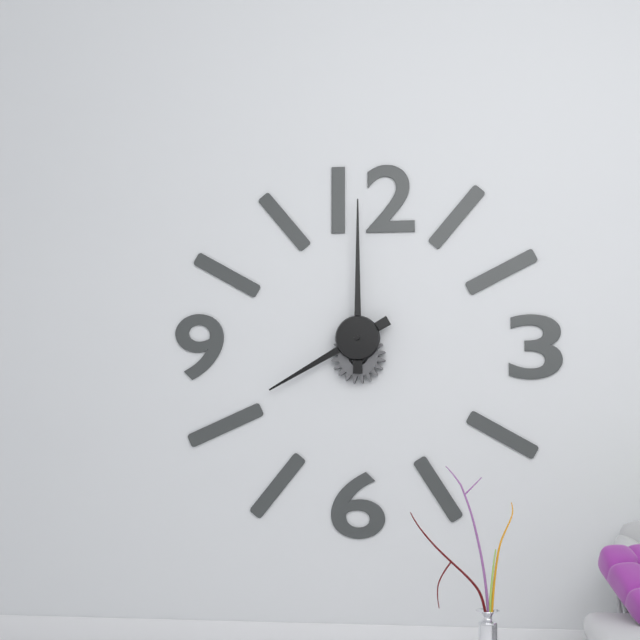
8:00
